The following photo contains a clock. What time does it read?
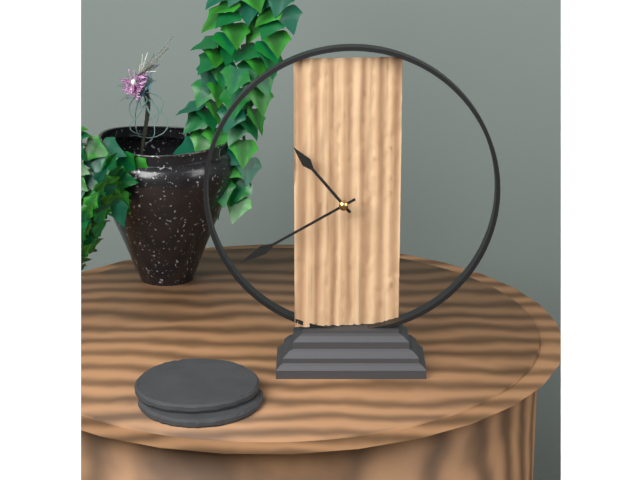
10:40
